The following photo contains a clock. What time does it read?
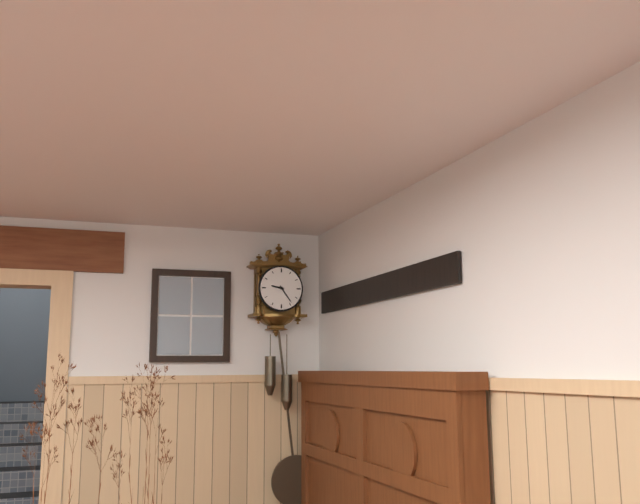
9:24
